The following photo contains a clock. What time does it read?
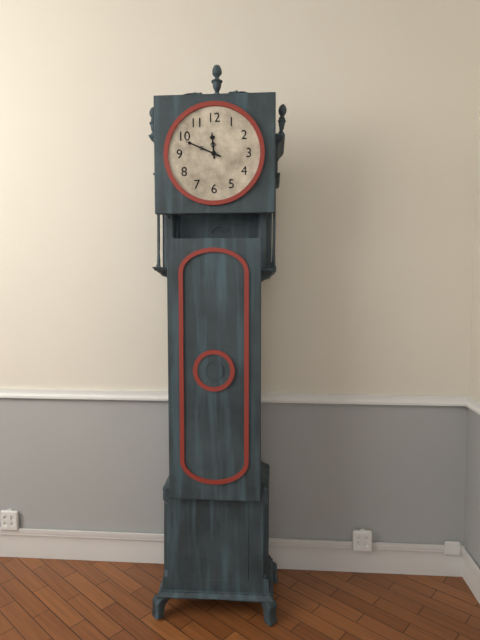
11:49
